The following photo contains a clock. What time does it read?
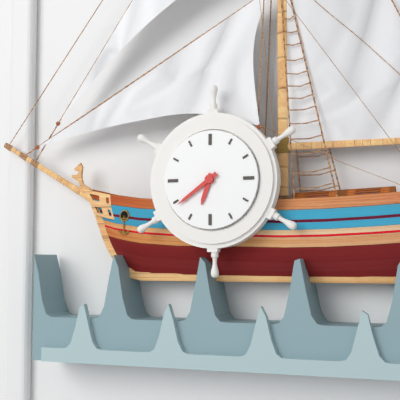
6:39
